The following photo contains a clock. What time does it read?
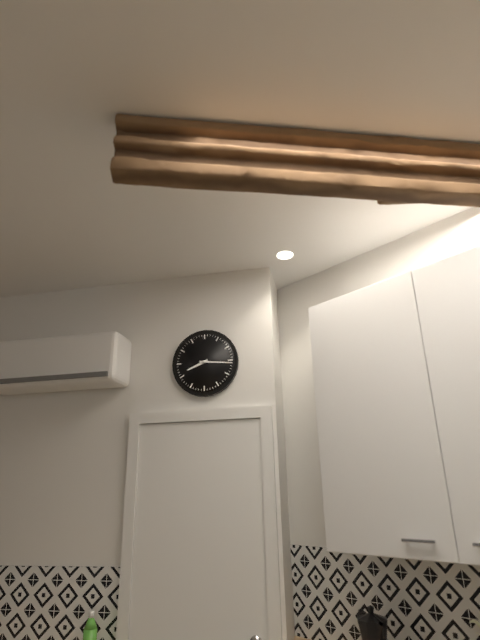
8:16
